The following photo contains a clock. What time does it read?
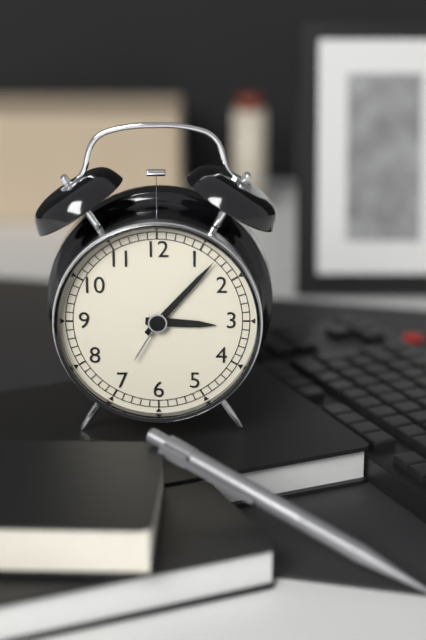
3:07
